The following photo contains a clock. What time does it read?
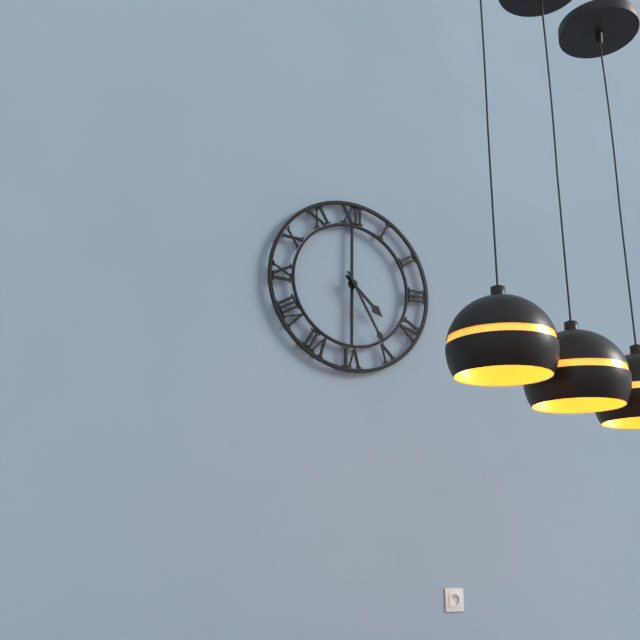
4:25
